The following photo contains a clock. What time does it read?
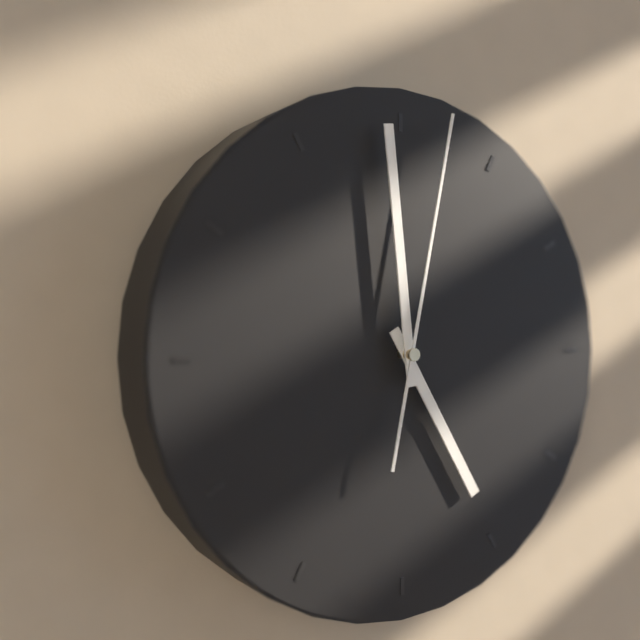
4:59:02
